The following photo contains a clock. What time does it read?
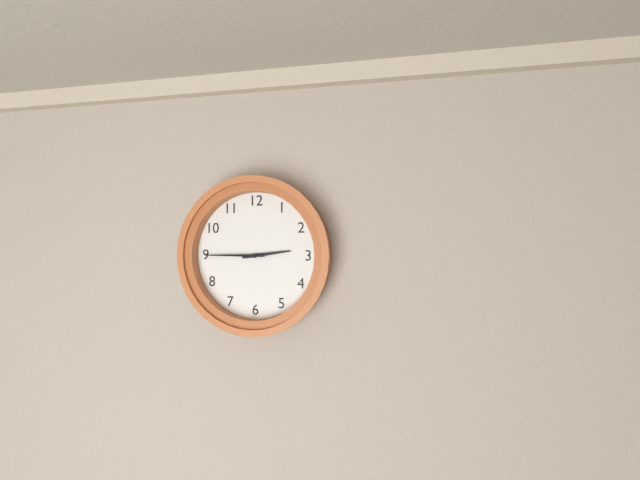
2:45
